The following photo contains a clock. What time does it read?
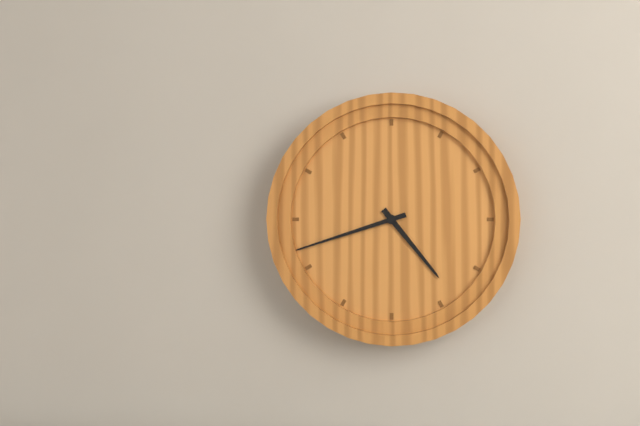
4:42
